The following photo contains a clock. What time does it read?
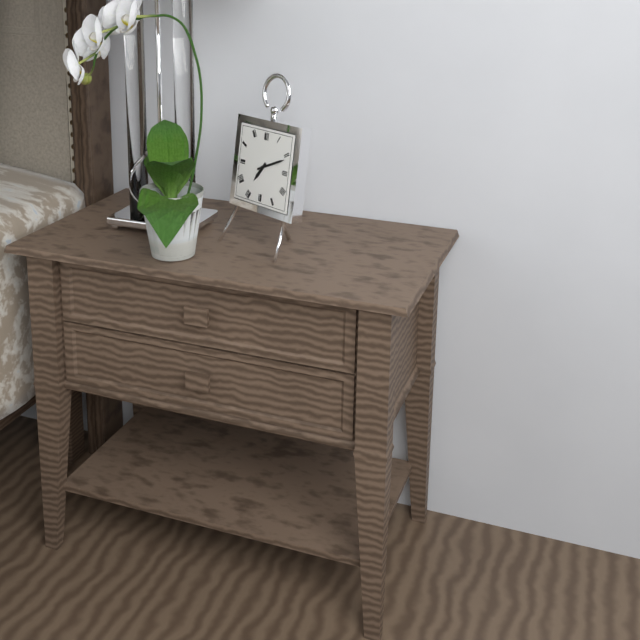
7:11
